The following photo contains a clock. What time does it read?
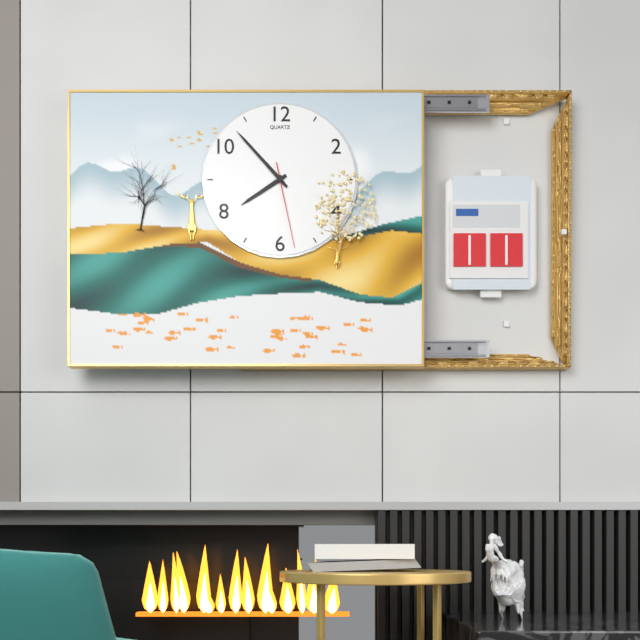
7:53:28
